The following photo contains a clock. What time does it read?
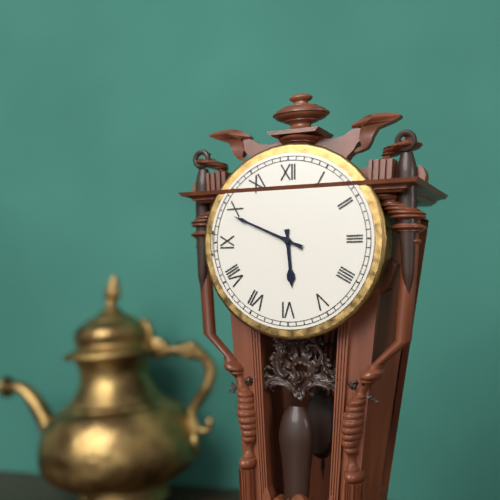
5:49
